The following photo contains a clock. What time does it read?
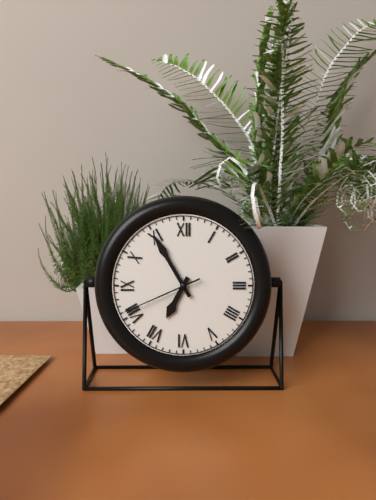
6:55:41
